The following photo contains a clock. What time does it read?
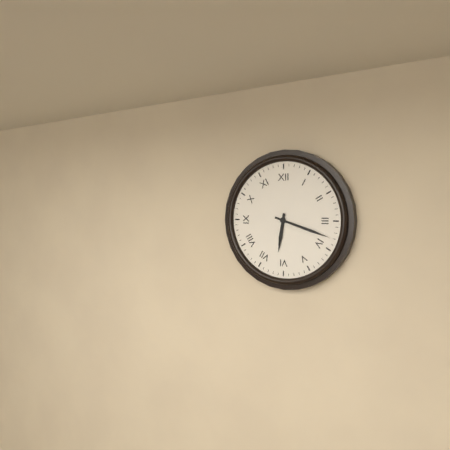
6:18
